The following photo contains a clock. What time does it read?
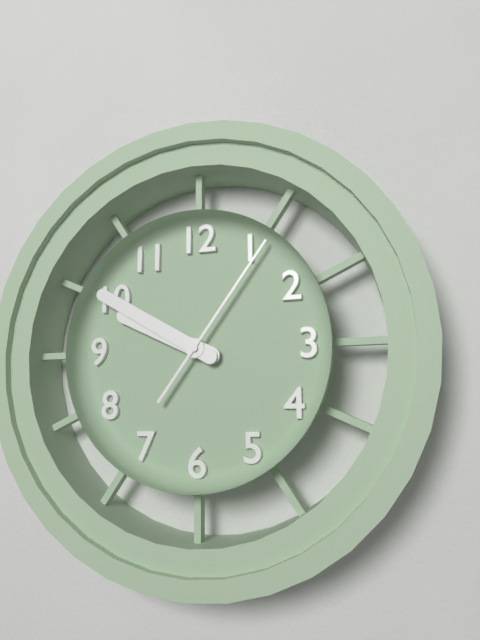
9:50:06
